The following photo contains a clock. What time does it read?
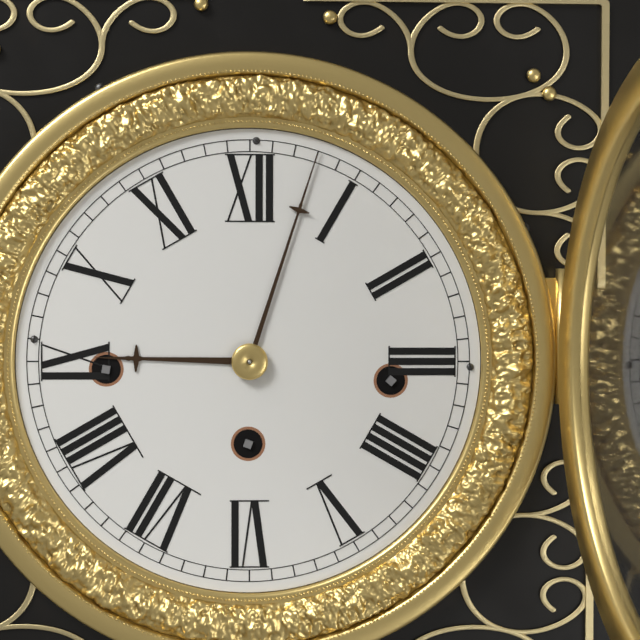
9:03
